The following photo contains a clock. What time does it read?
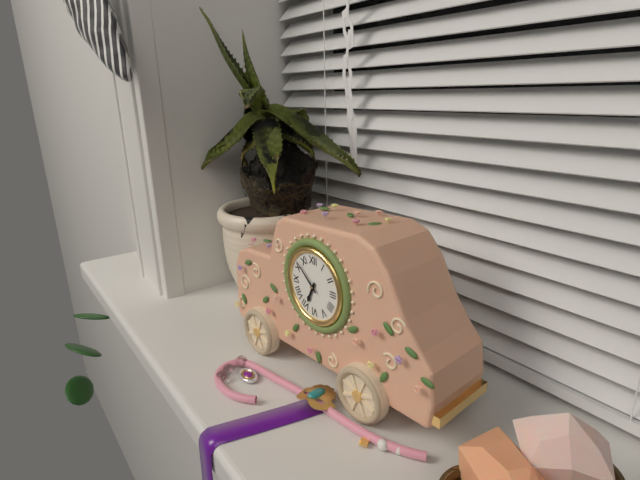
6:52
